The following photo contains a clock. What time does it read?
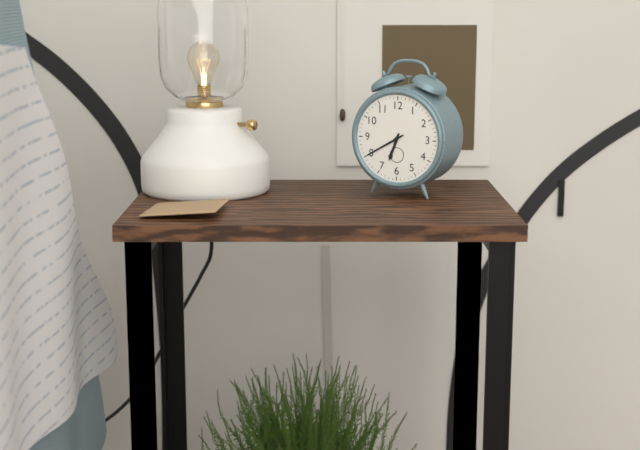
6:40
